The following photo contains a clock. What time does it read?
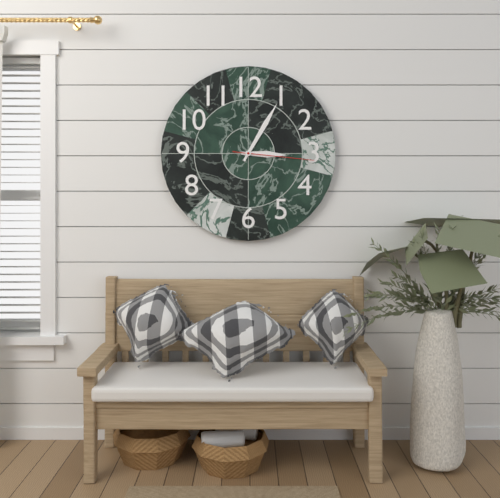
3:05:16
